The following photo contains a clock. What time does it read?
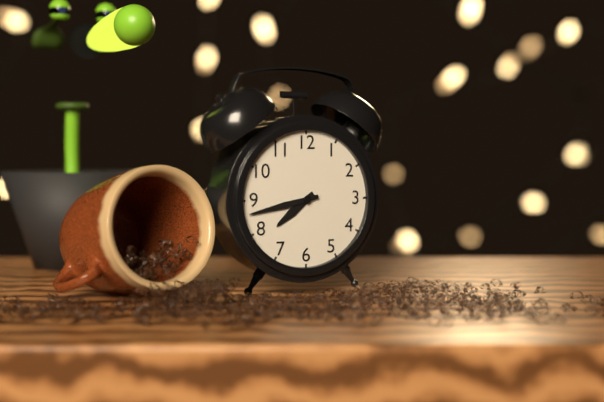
7:43
